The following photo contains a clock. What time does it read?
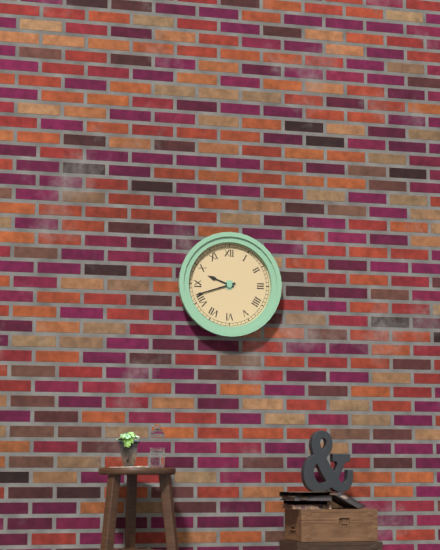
9:42
